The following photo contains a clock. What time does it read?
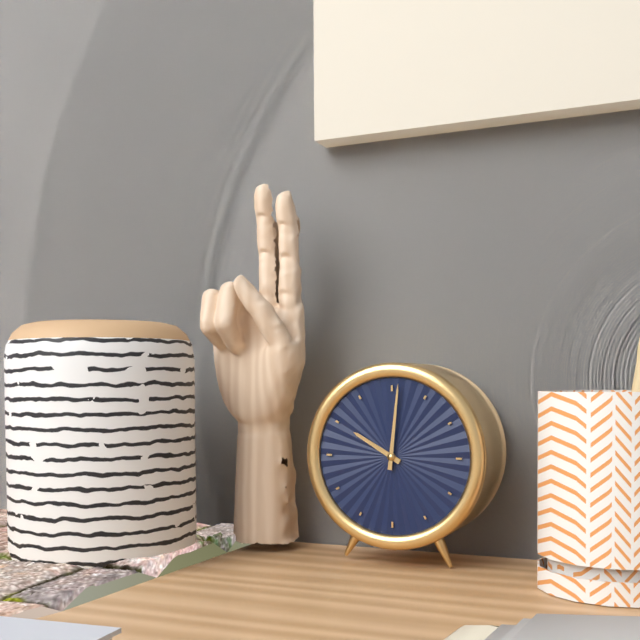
10:01
